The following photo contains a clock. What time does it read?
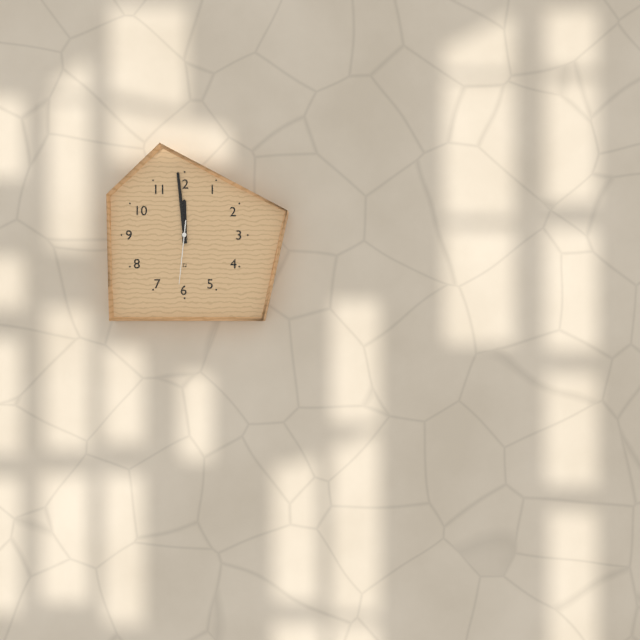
11:59:31
